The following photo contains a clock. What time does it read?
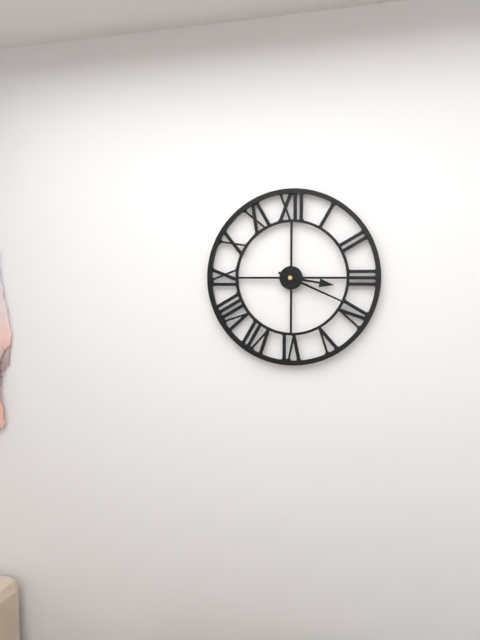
3:19
